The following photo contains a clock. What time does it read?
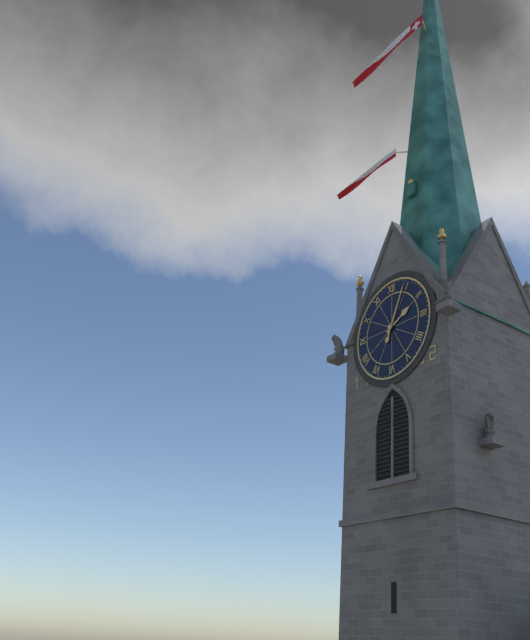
2:04
